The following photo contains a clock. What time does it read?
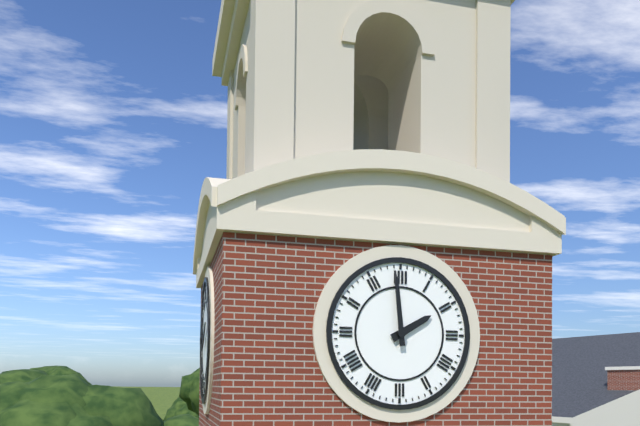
1:59
